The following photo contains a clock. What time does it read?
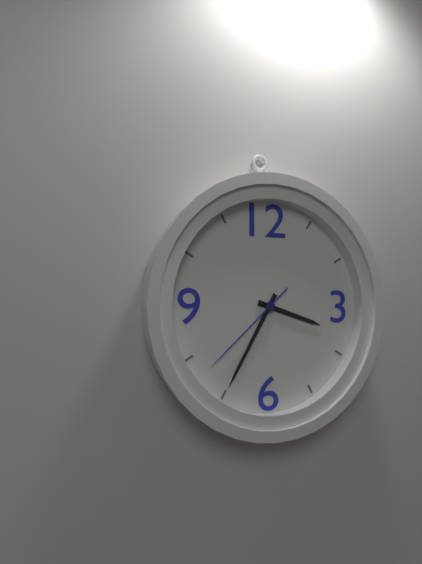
3:35:38
